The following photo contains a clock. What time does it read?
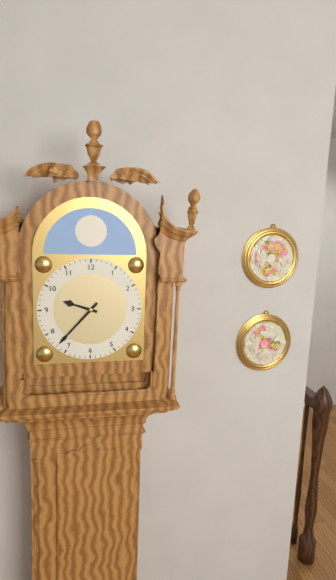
9:37
